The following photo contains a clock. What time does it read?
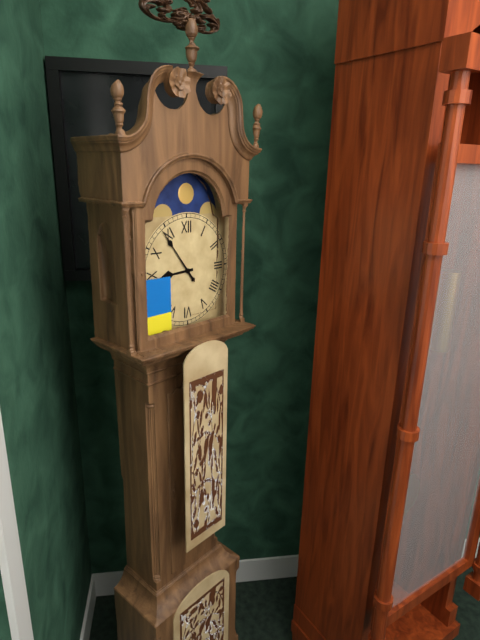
8:54
